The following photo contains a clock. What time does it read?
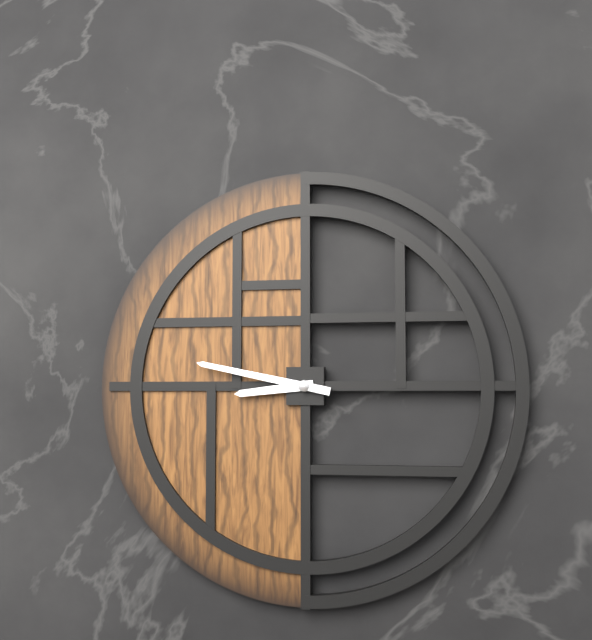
8:47
